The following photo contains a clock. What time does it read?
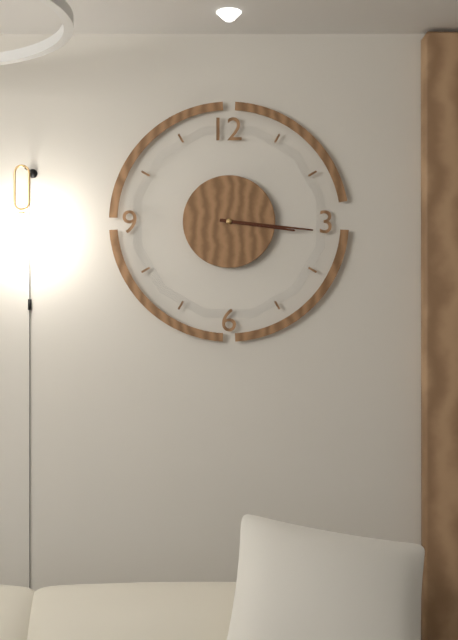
3:16
